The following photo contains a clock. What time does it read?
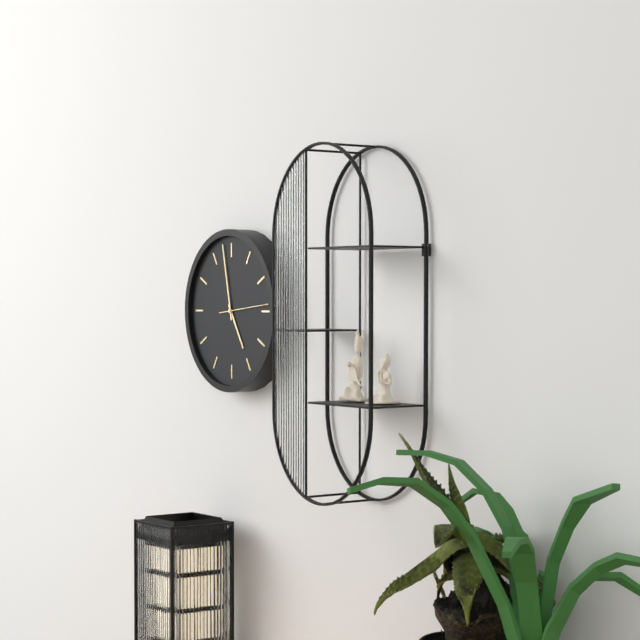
4:58
